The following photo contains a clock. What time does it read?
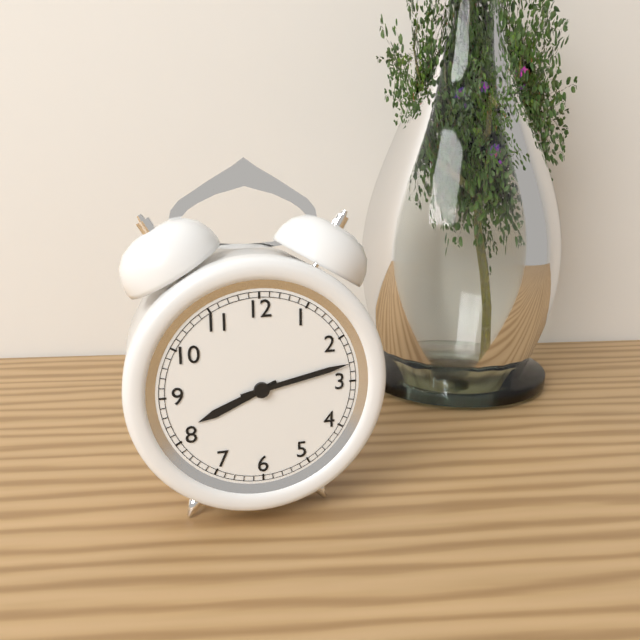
8:13
